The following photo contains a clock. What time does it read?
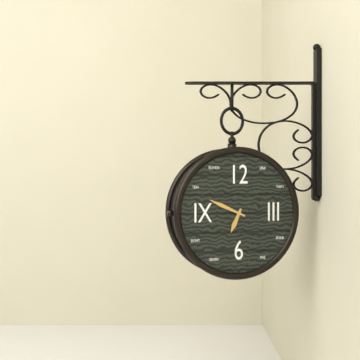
6:49
